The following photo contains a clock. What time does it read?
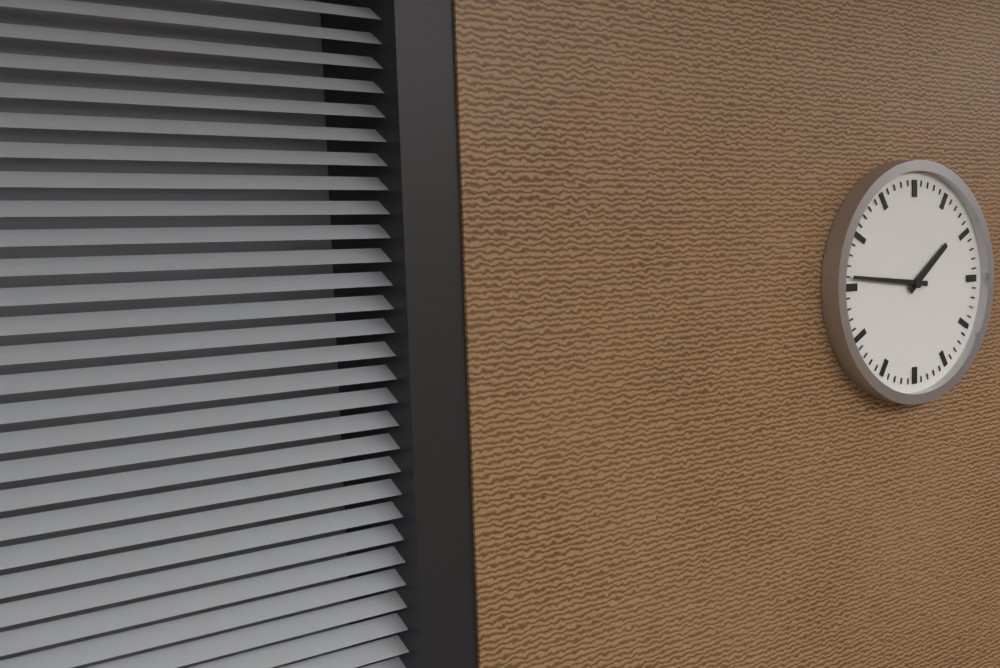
1:46
